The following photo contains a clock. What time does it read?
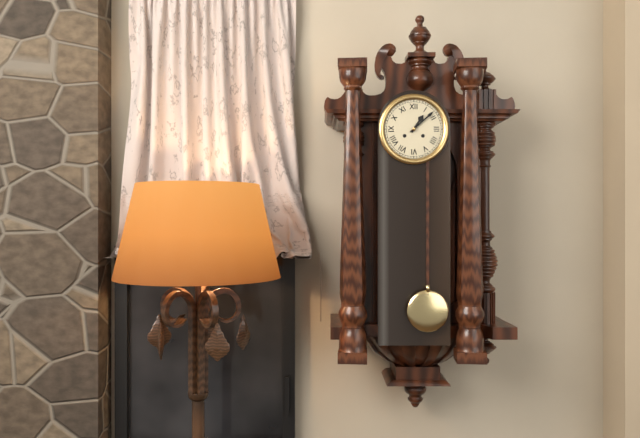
1:08
